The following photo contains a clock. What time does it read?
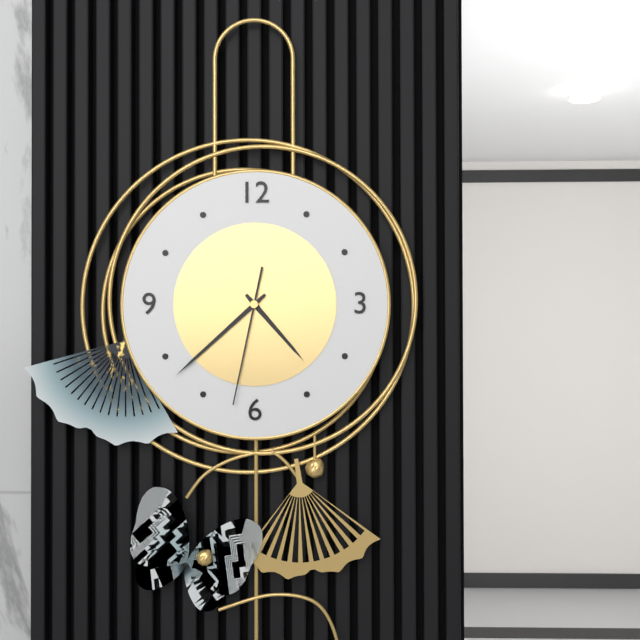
4:38:32
